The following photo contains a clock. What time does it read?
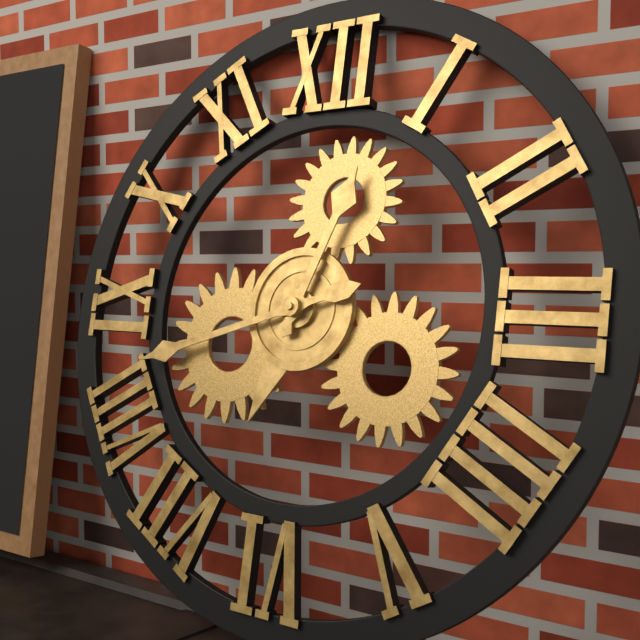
12:42
